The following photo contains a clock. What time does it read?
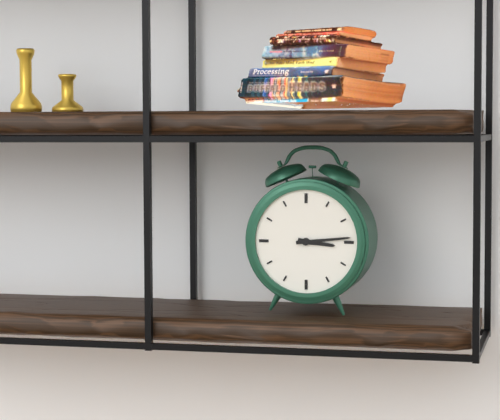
3:14
